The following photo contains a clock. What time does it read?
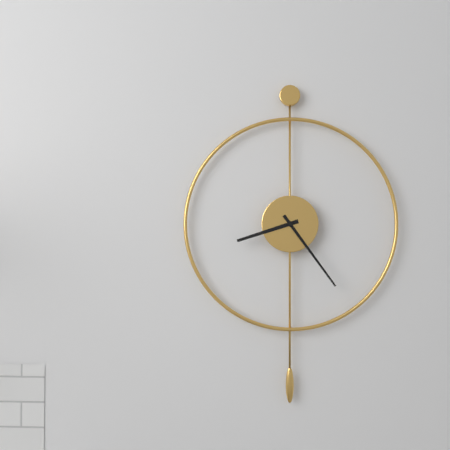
8:24
